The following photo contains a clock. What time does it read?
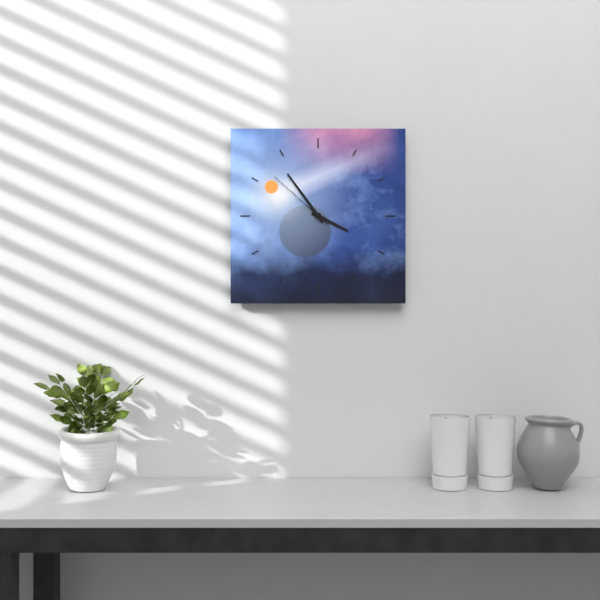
3:54:52
